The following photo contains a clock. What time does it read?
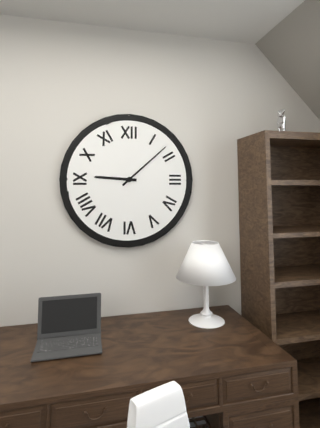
9:08
